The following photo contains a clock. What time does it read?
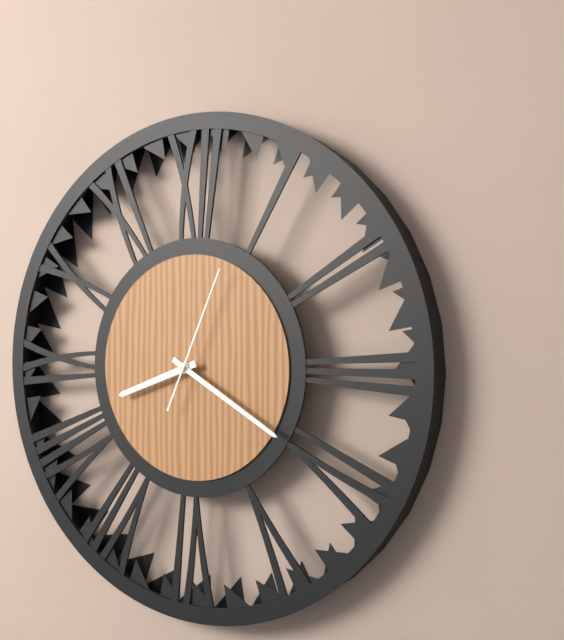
8:20:04
